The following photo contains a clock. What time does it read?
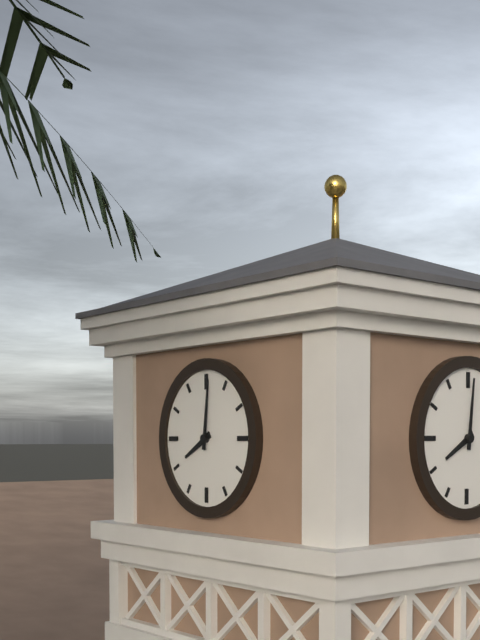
8:01
